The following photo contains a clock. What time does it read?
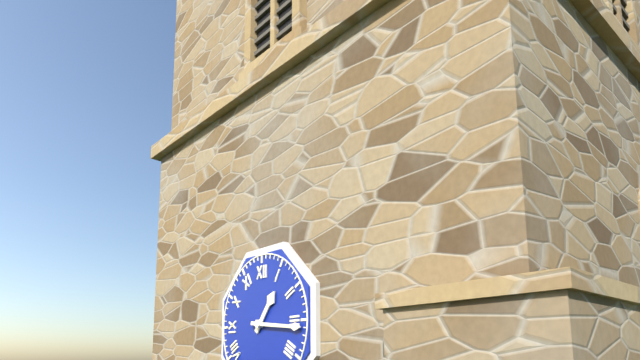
1:16
